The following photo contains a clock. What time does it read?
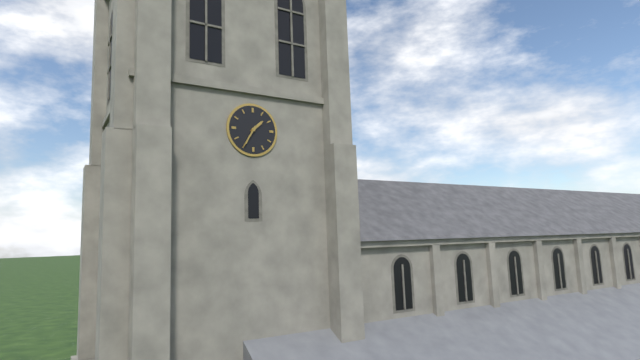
1:35
